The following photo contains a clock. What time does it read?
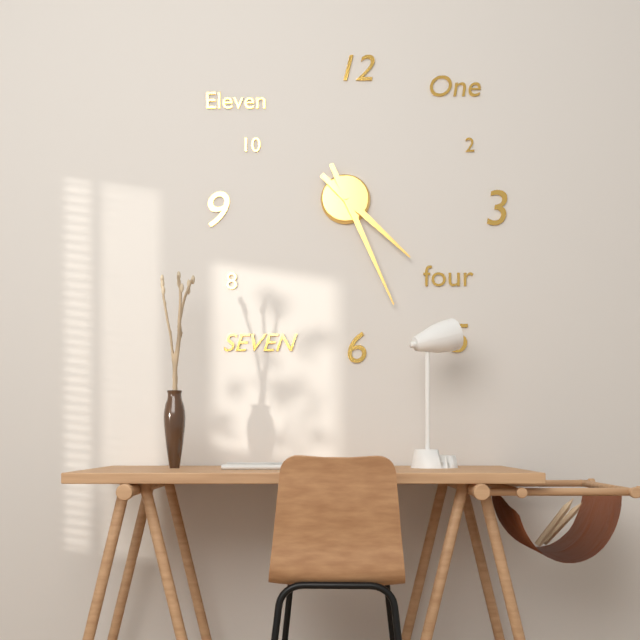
4:26
